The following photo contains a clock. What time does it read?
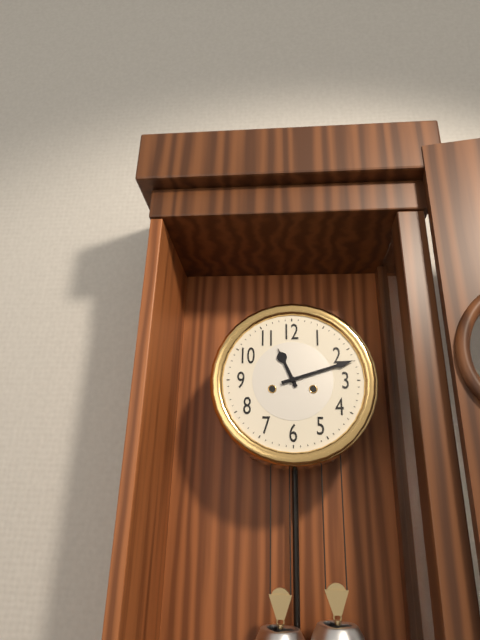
11:12
